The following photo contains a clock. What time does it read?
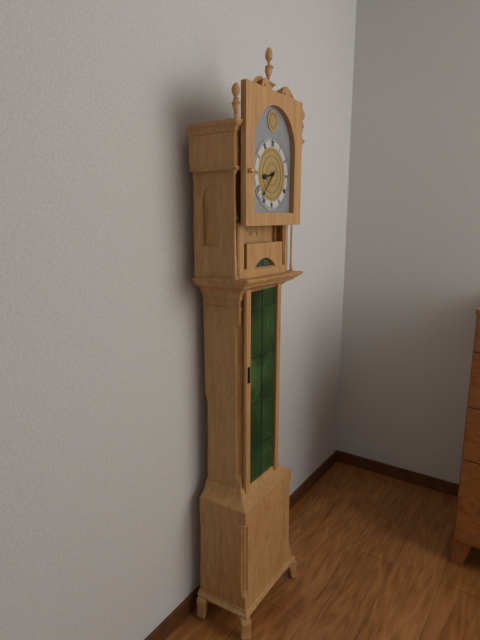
8:37
